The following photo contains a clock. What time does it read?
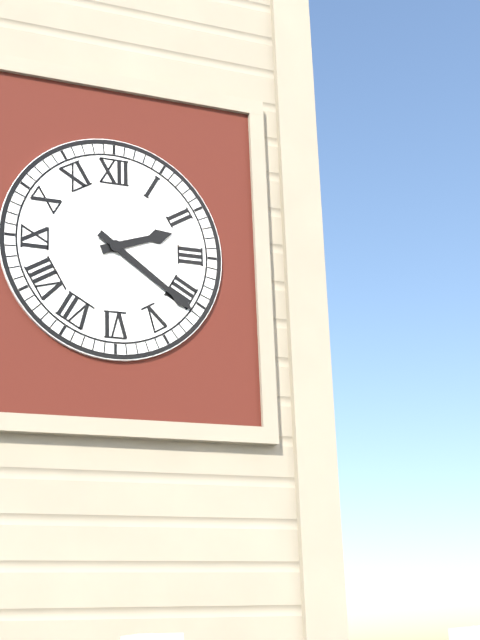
2:21
